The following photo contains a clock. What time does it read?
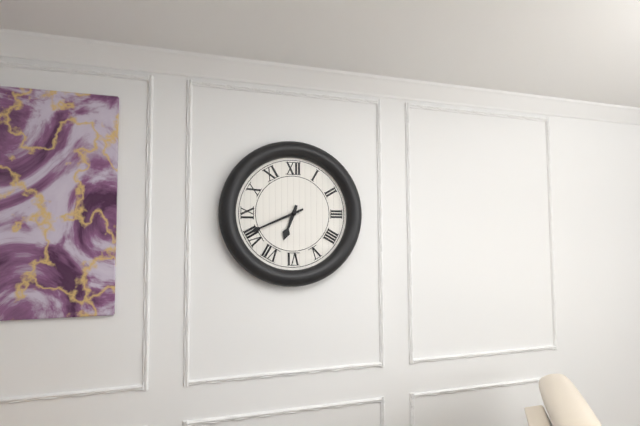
6:41
